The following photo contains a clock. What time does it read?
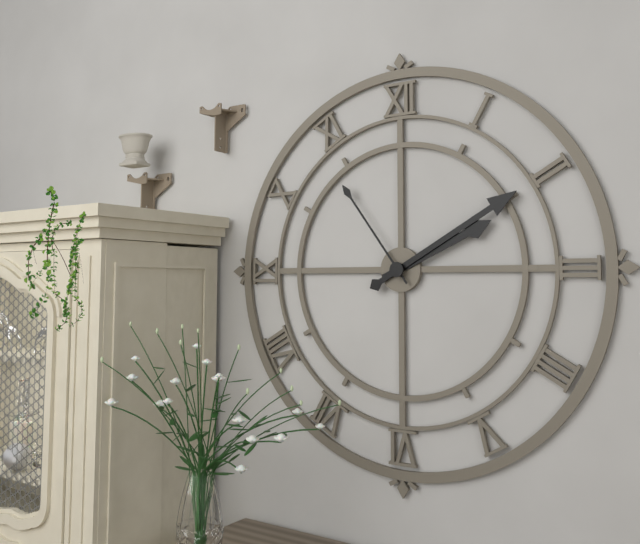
2:10:54
